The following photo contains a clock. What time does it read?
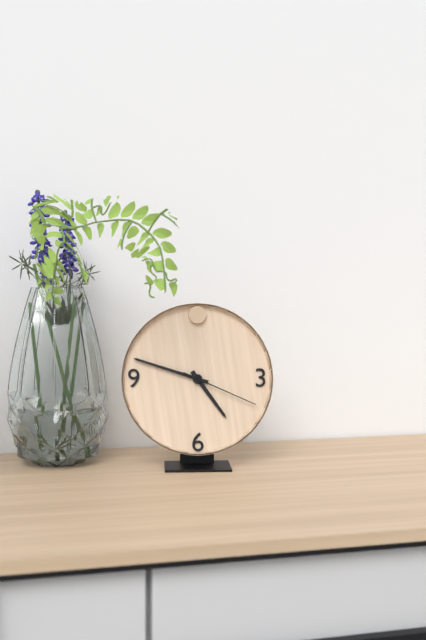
4:48:19
